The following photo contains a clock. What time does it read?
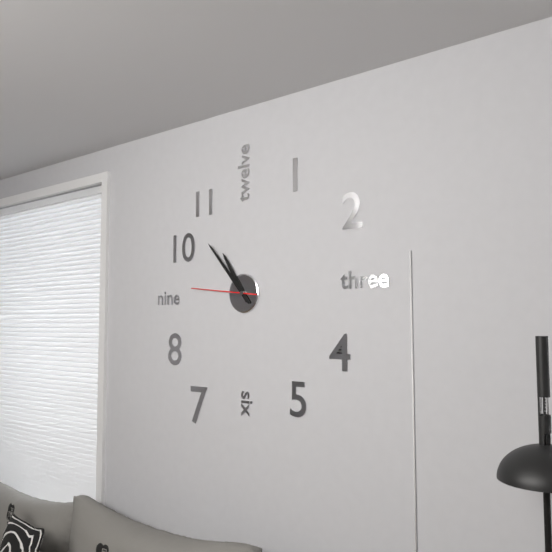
10:53:46
